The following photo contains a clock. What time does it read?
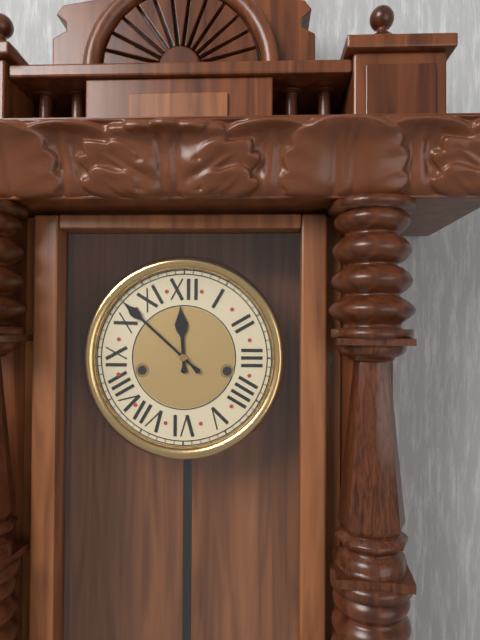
11:52
